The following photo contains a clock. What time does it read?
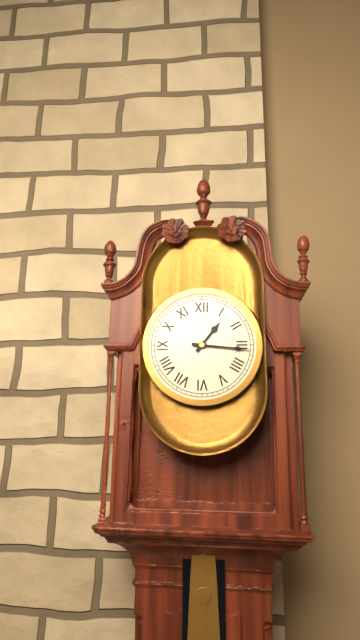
1:16
